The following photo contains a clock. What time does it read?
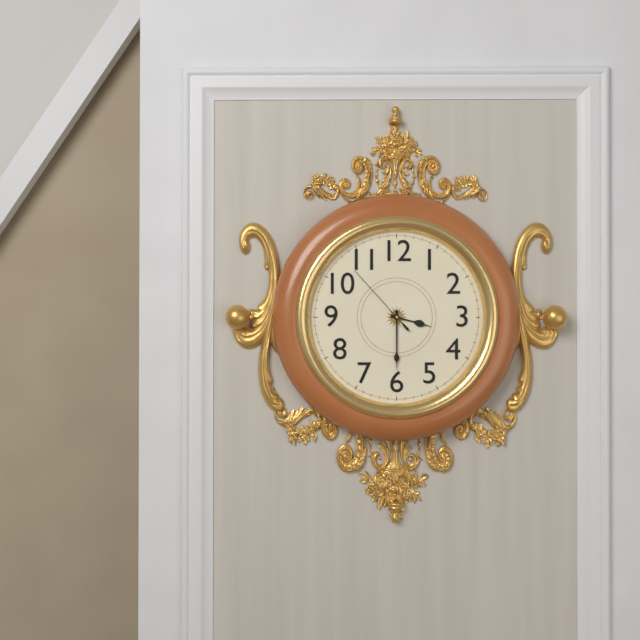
3:30:53
